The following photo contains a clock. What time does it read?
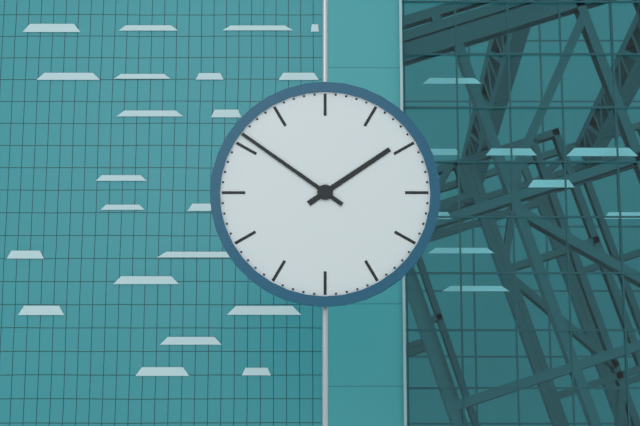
1:51
